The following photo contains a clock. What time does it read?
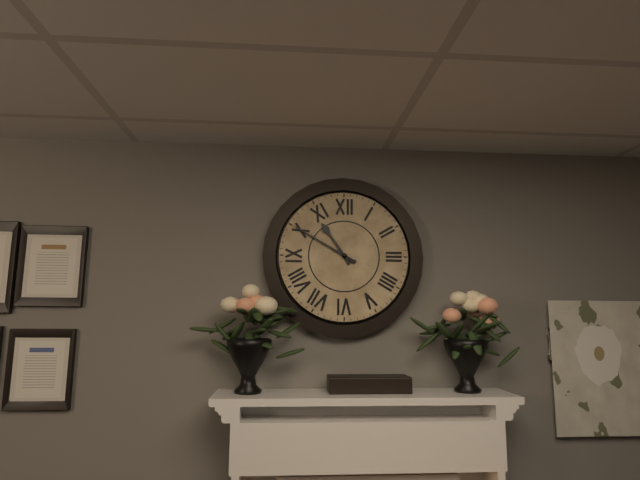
10:50
